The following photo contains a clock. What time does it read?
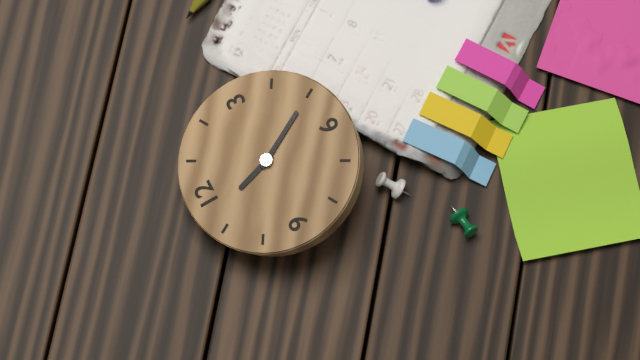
11:25
